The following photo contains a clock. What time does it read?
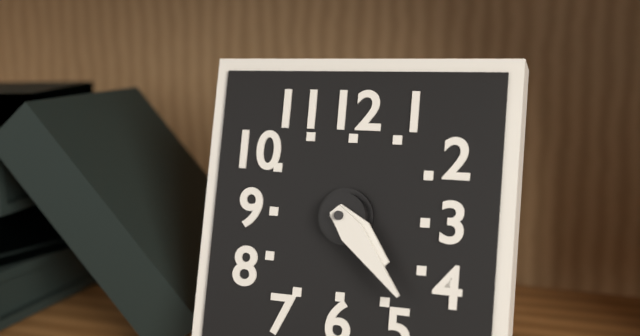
4:23
